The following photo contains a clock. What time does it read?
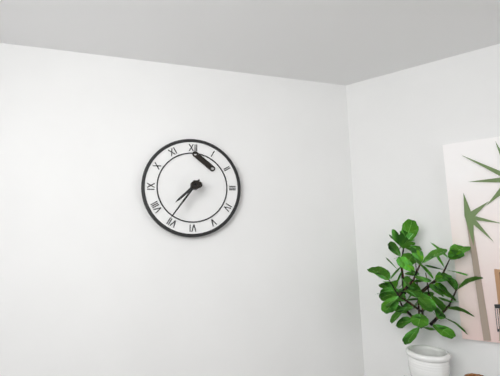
7:36
